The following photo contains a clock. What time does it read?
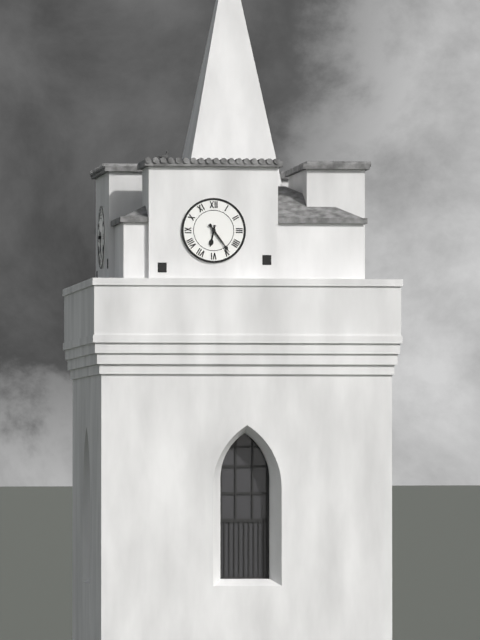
6:24
